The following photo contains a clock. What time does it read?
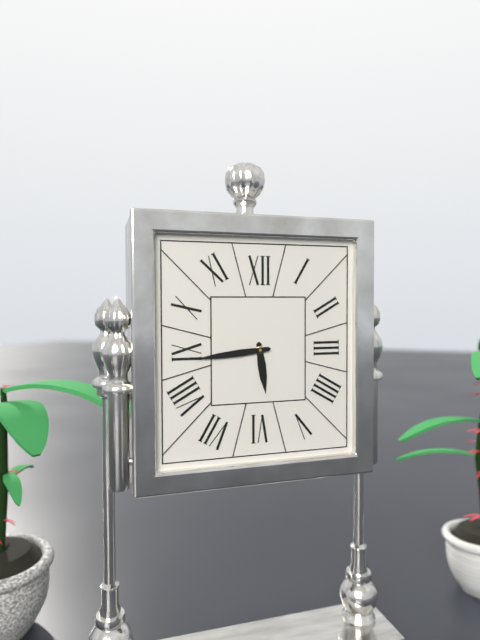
5:44
